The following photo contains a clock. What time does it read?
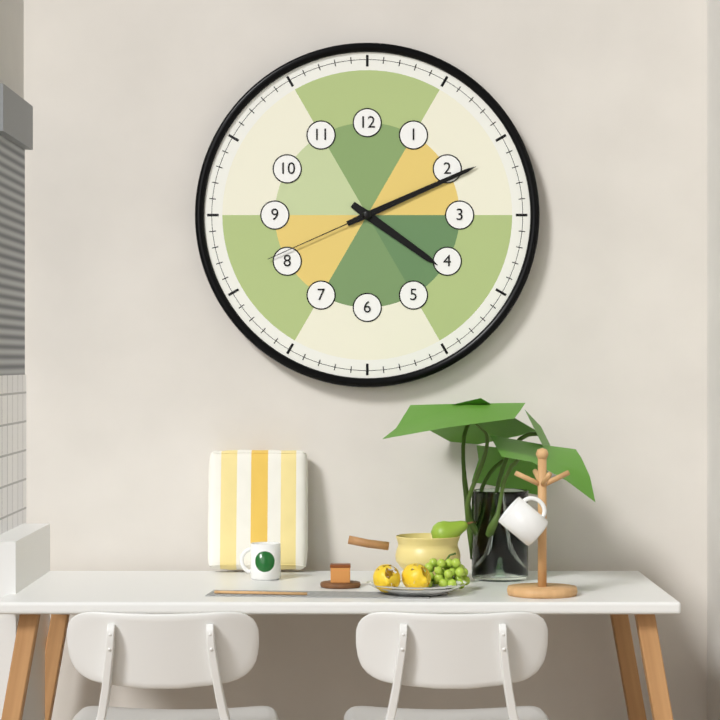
4:11:41
